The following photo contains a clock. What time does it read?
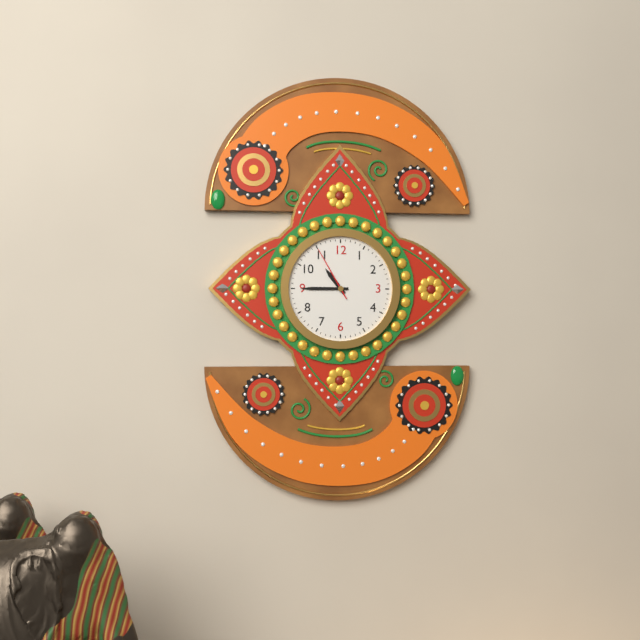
10:45:55
